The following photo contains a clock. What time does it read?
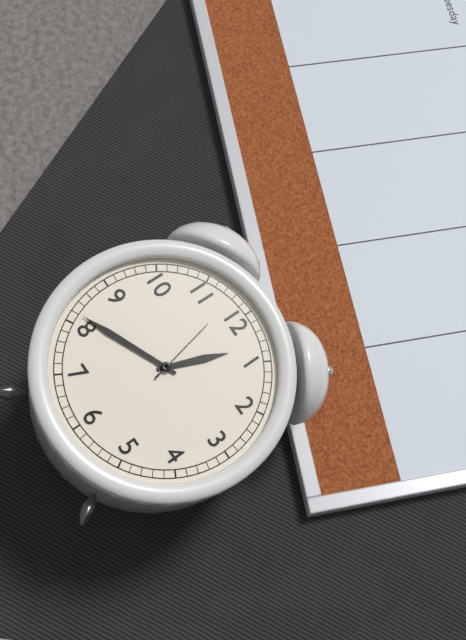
12:41:58
